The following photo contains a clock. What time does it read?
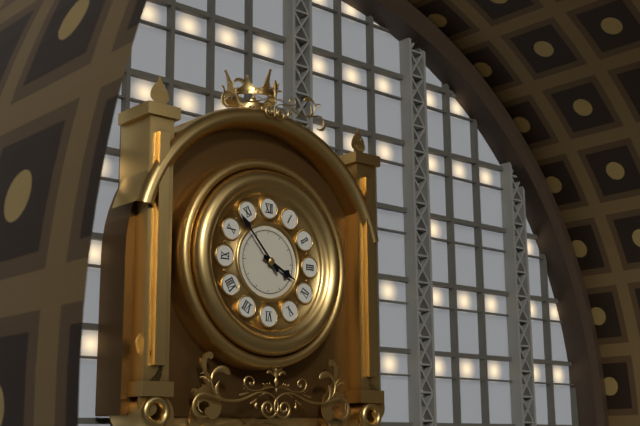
3:53
